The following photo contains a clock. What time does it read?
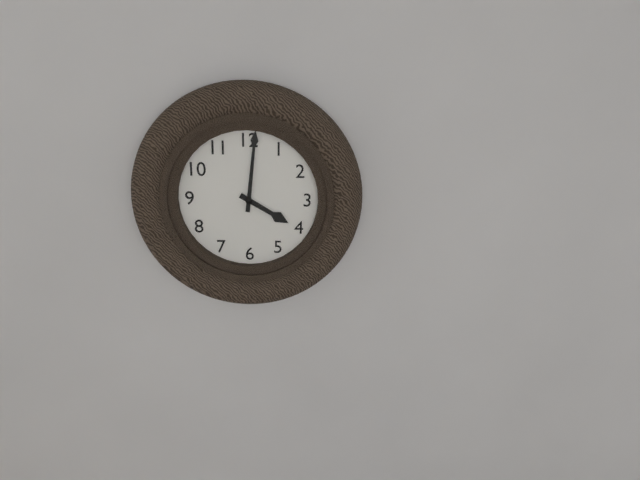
4:01
